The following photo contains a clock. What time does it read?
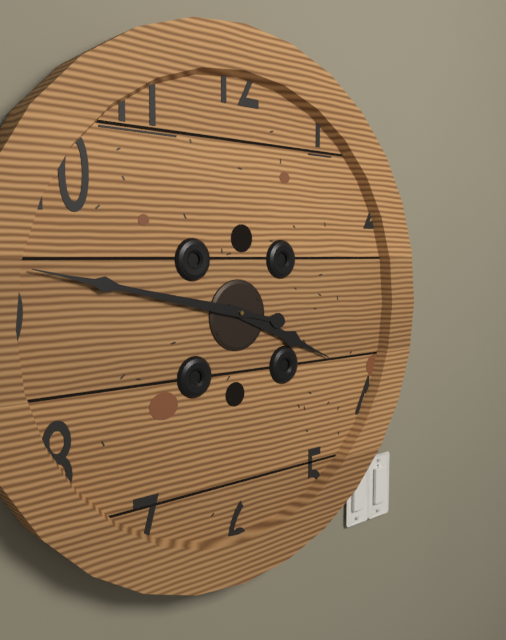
3:47
